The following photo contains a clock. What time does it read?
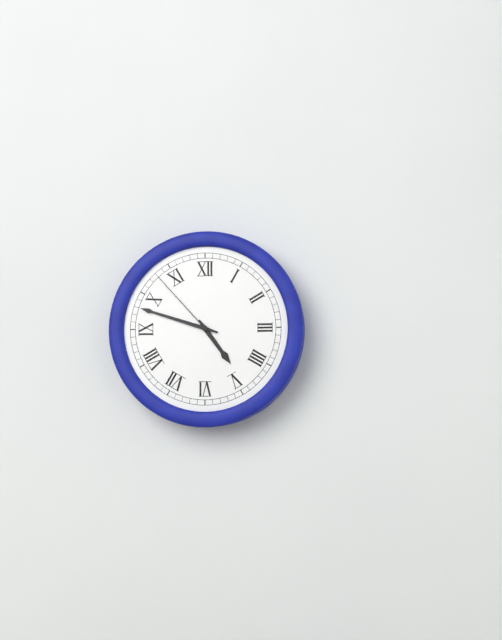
4:48:53
